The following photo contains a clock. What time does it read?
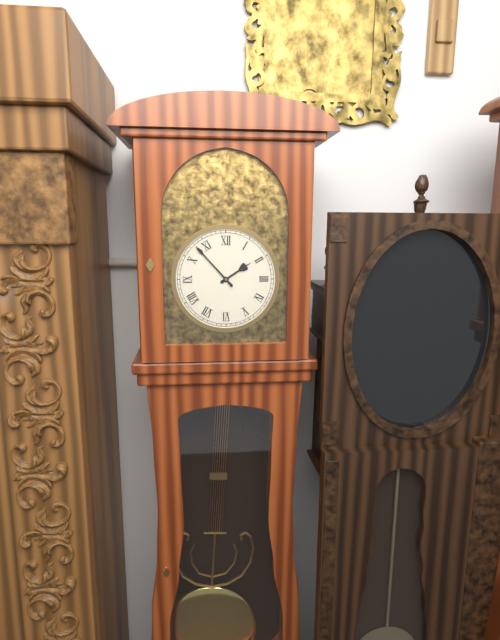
1:53
